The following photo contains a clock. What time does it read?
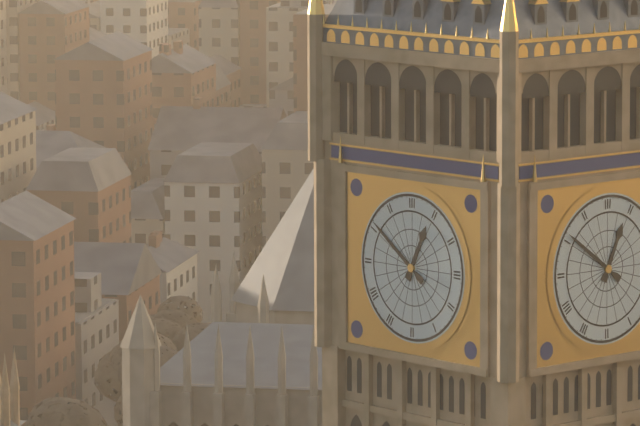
12:51
